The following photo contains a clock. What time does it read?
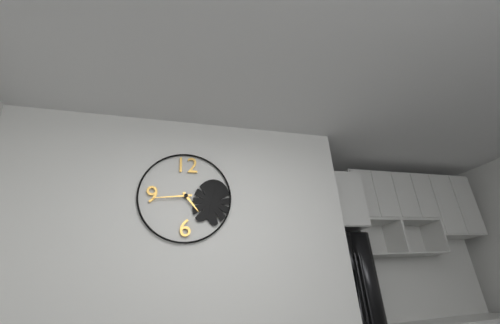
4:44
